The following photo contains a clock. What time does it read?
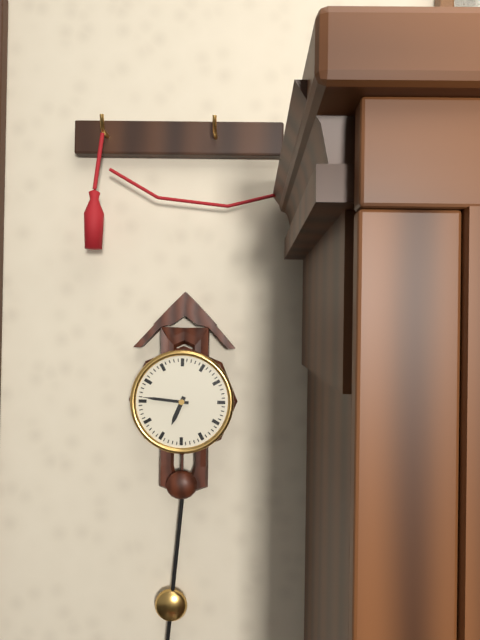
6:46
